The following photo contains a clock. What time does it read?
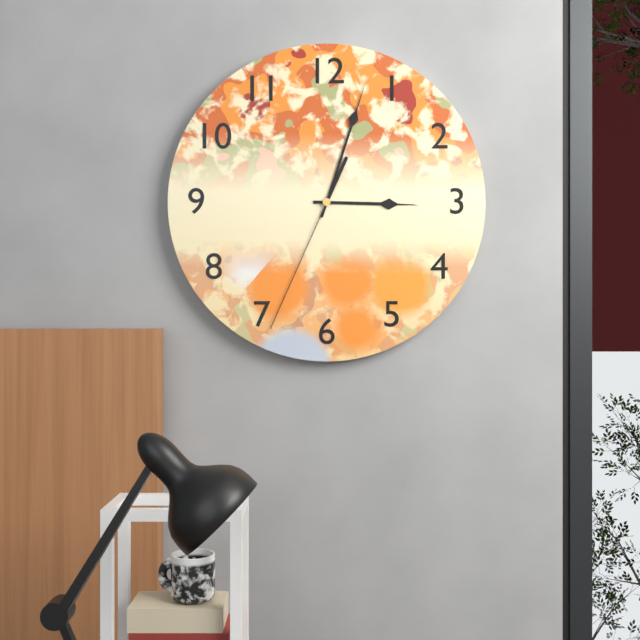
3:03:34
